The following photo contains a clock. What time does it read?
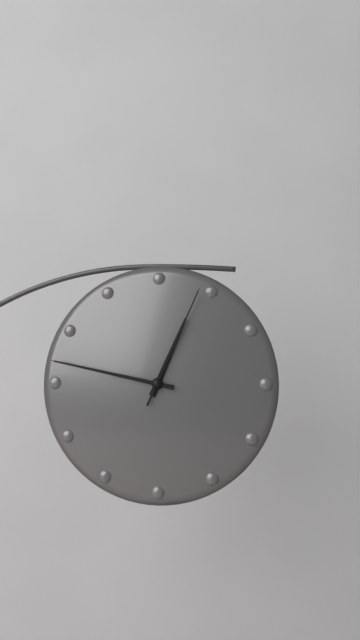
12:47:04
